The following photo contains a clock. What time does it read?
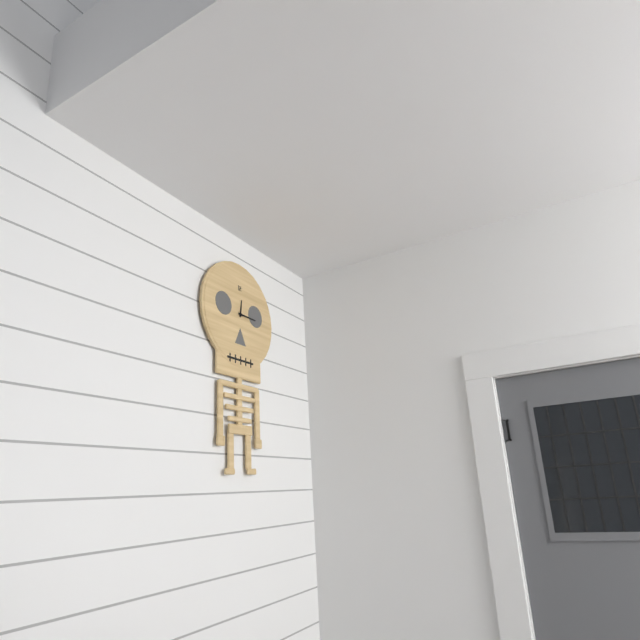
12:15
